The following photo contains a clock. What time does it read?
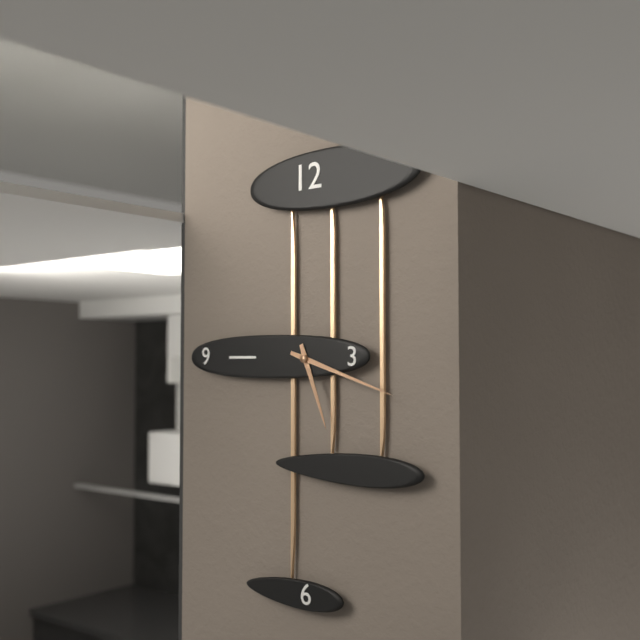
5:18
